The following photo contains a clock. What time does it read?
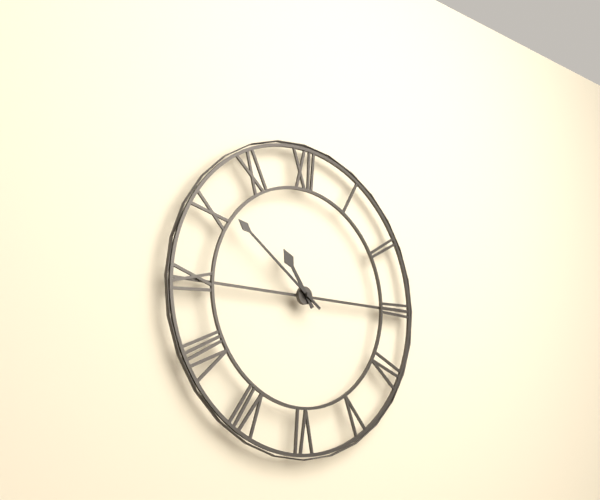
10:51
